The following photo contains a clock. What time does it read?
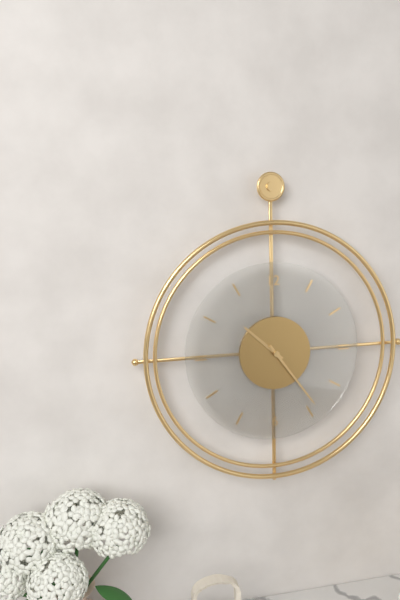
10:24
